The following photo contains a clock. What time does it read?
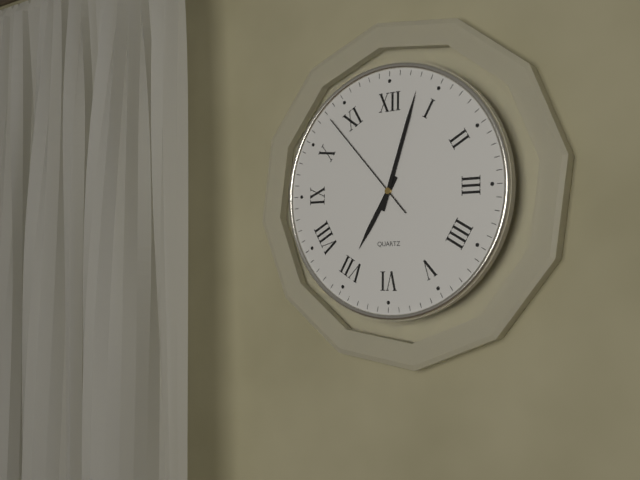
7:03:53
